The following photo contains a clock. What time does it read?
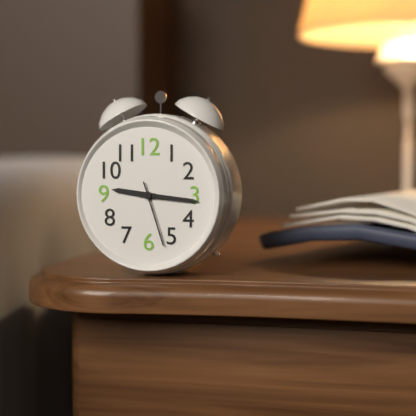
9:16:27
